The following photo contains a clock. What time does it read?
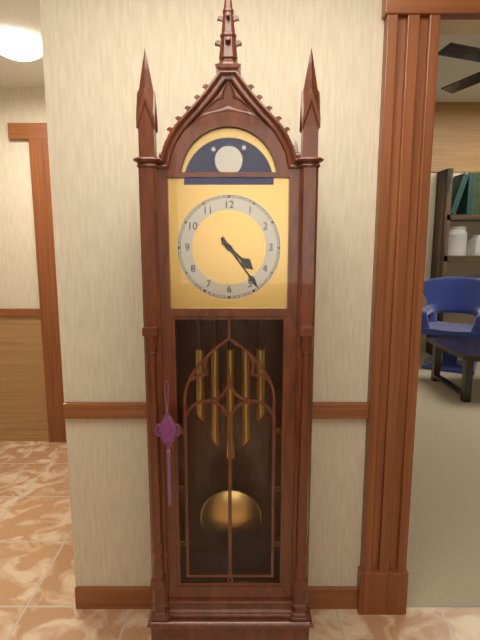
4:24
